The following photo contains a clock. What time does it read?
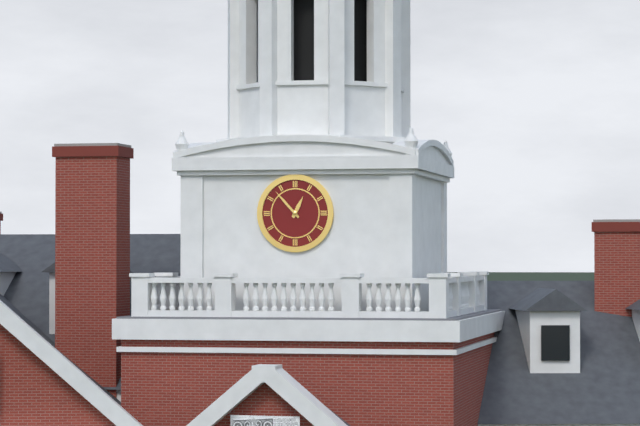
12:53
